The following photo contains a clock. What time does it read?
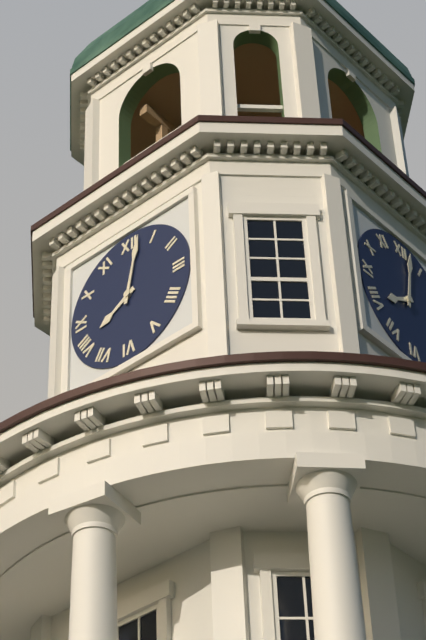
8:02
